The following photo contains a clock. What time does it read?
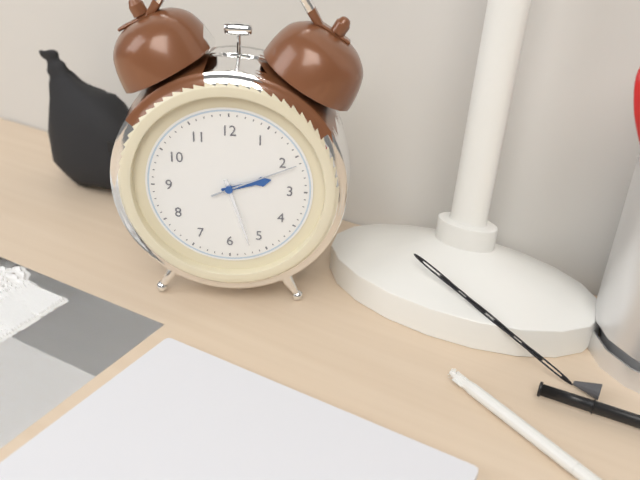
2:27:11
